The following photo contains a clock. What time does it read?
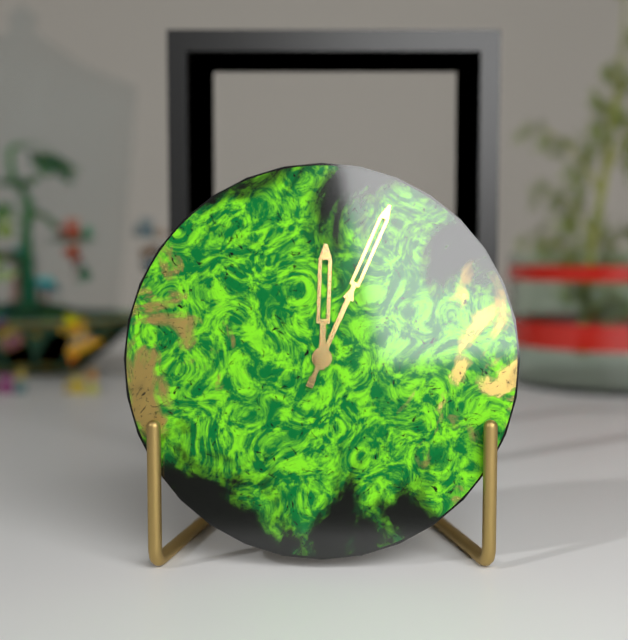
12:04
